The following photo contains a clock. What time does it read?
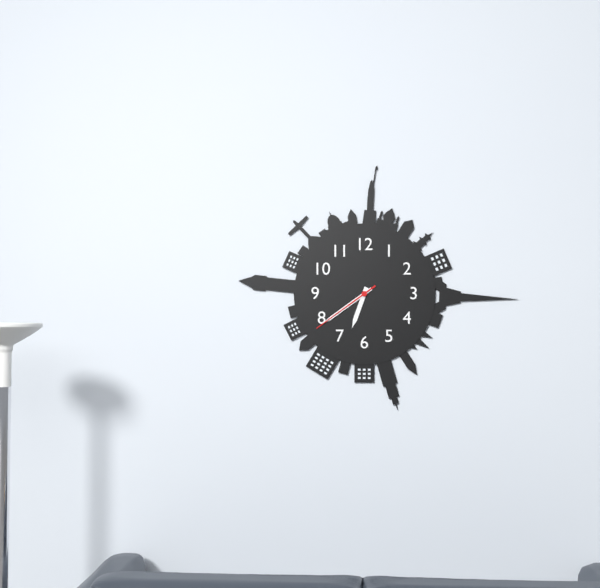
6:39:39
